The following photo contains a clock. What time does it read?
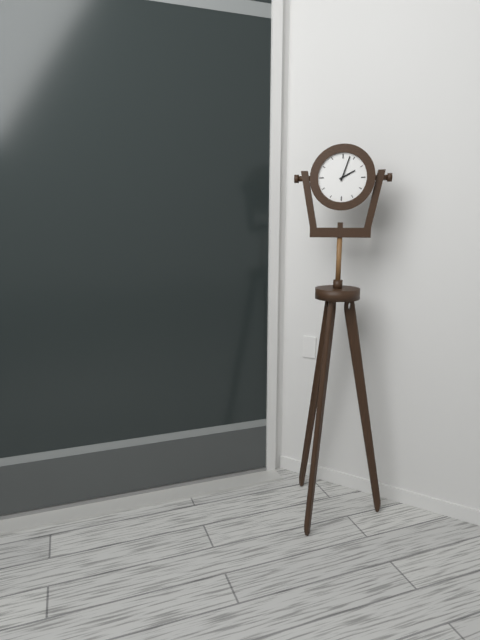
2:03
